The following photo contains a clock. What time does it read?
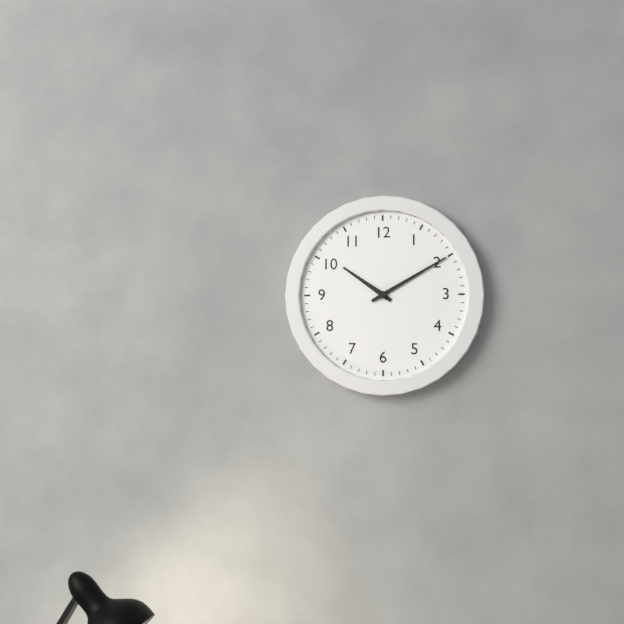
10:10
